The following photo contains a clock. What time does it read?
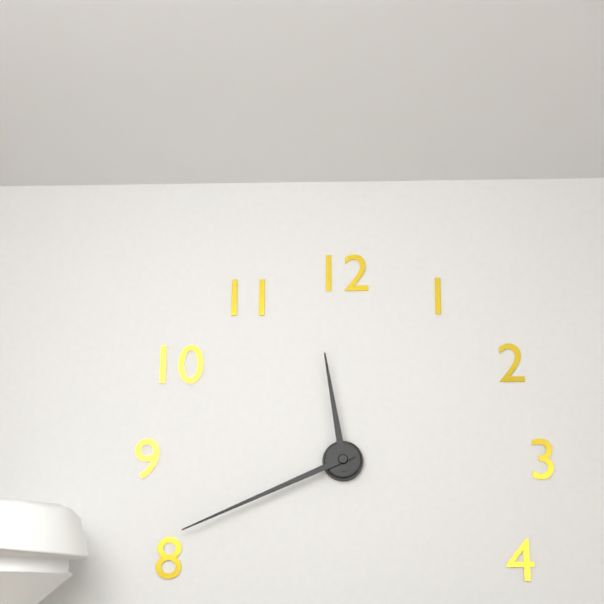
11:41
